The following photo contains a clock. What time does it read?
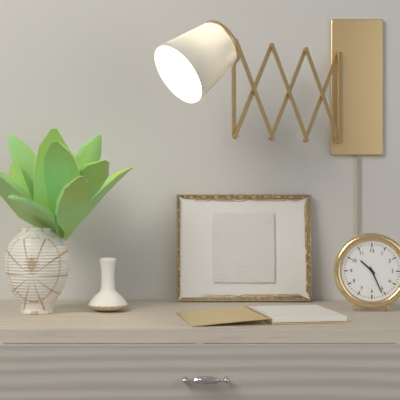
10:26
